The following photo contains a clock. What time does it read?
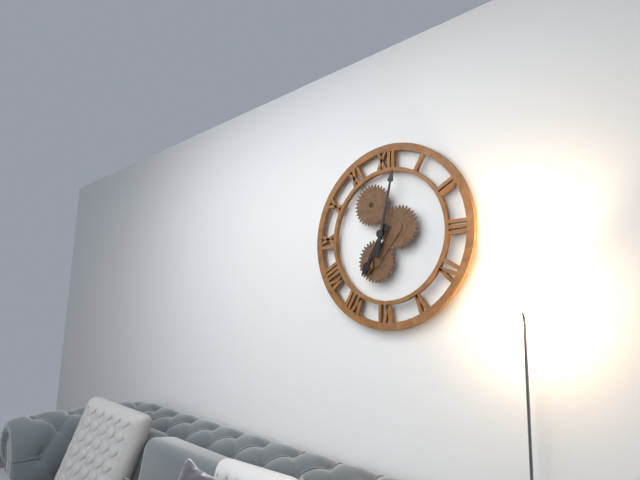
7:02
